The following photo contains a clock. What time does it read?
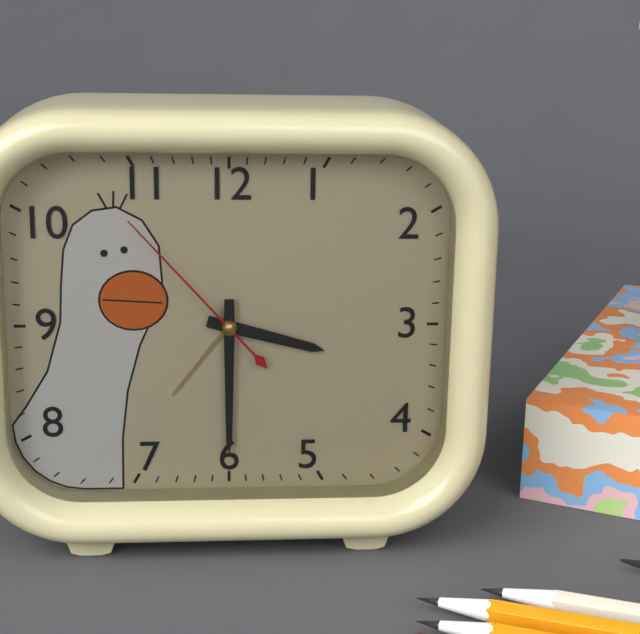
3:30:53
